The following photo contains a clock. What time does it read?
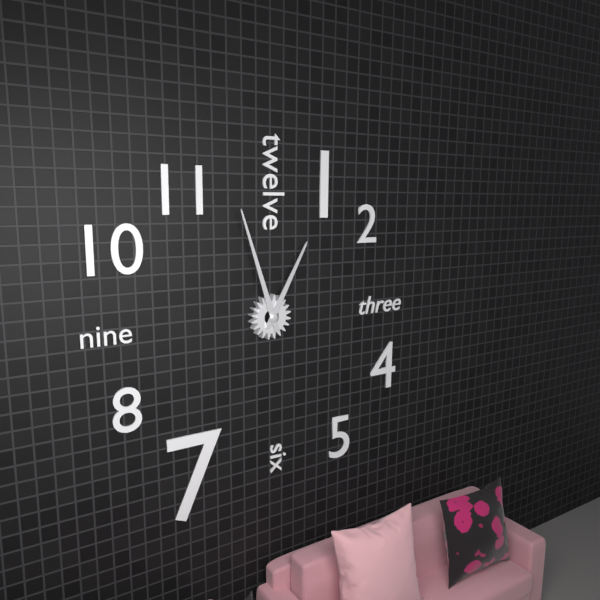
12:57
